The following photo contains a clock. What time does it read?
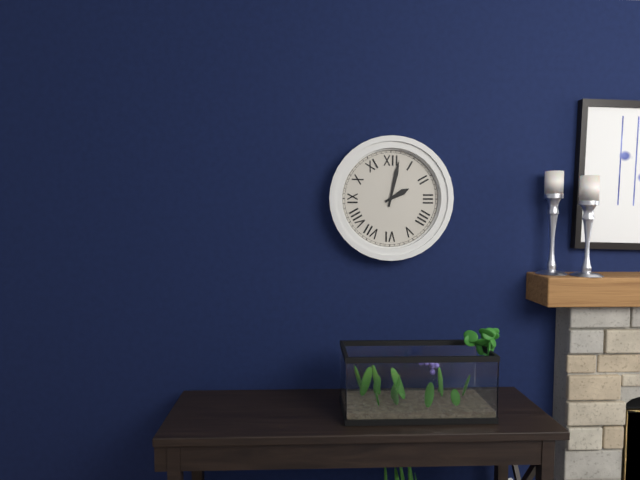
2:02
